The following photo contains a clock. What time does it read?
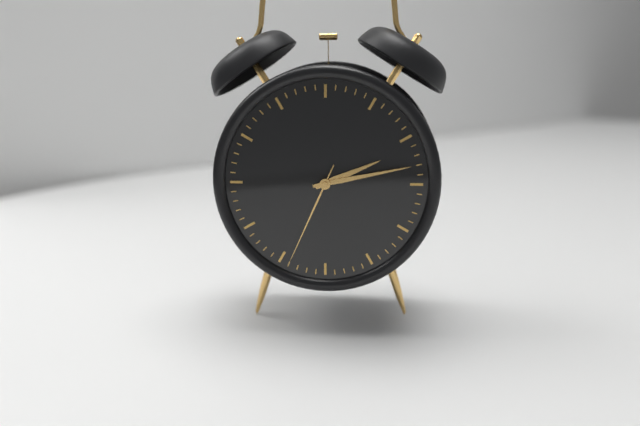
2:13:34
